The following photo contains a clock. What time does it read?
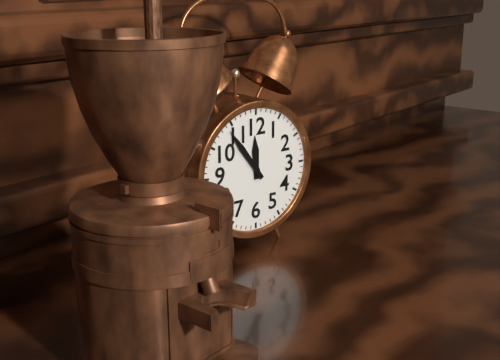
11:54
